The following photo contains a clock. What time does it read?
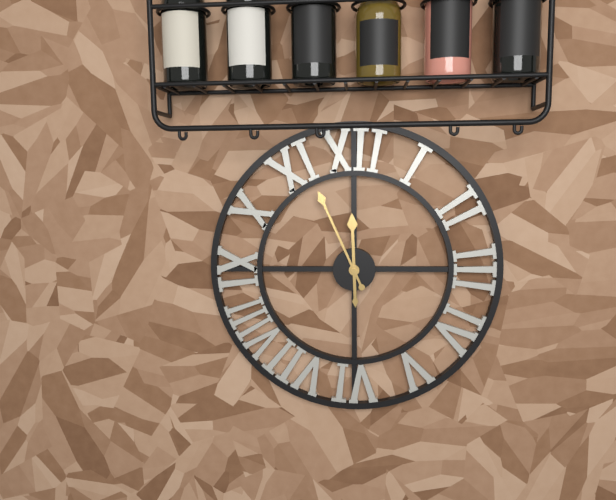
11:56
